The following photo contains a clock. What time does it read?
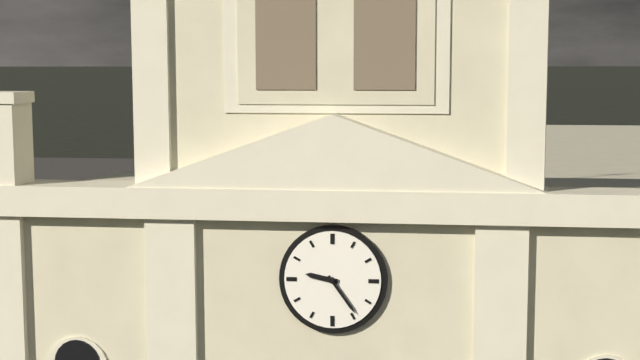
9:24
